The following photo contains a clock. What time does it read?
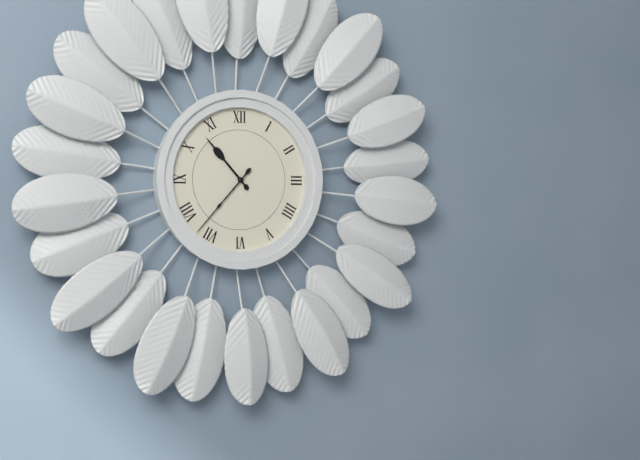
10:37
